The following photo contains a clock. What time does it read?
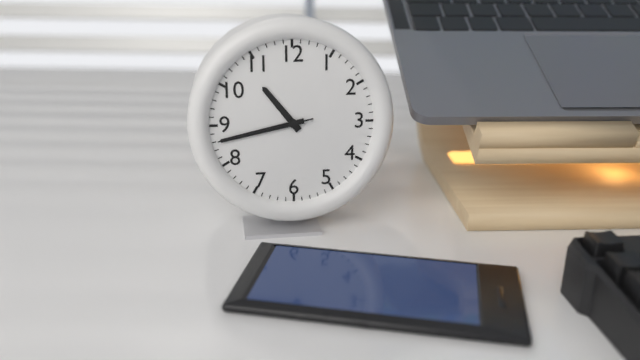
10:43:43
